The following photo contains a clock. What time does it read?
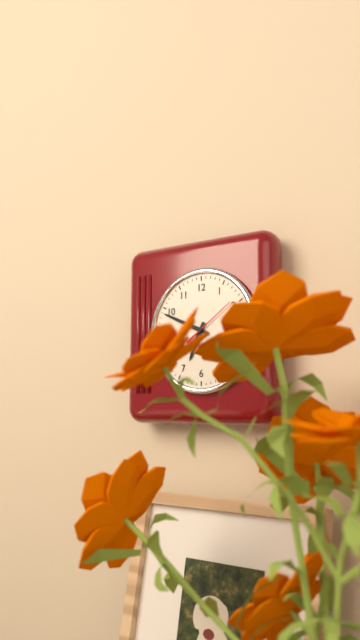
6:49:09
